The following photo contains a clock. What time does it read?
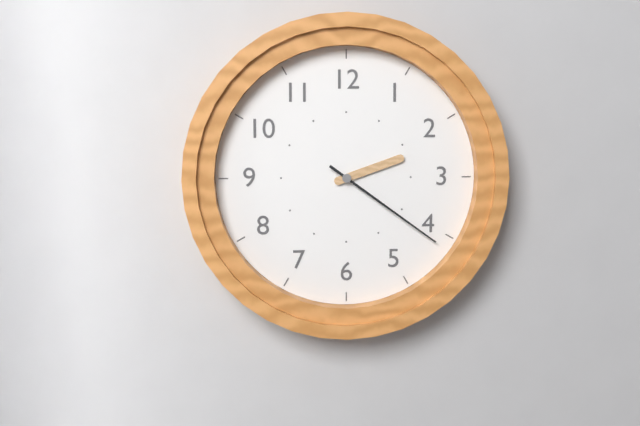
2:21
